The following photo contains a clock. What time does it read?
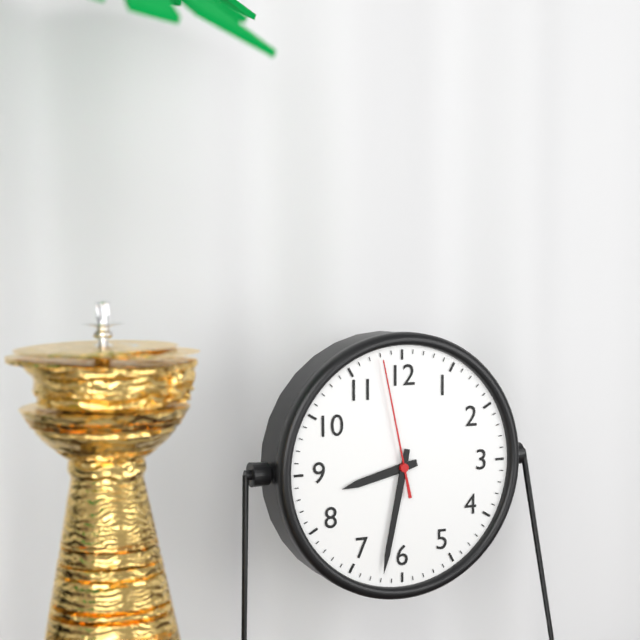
8:32:58
